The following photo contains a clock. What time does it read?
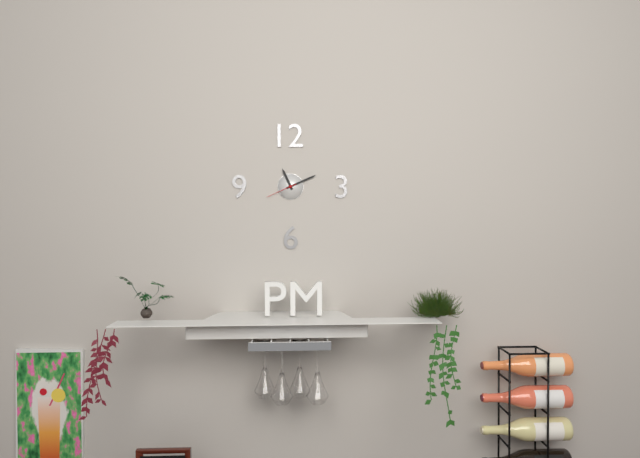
11:11
